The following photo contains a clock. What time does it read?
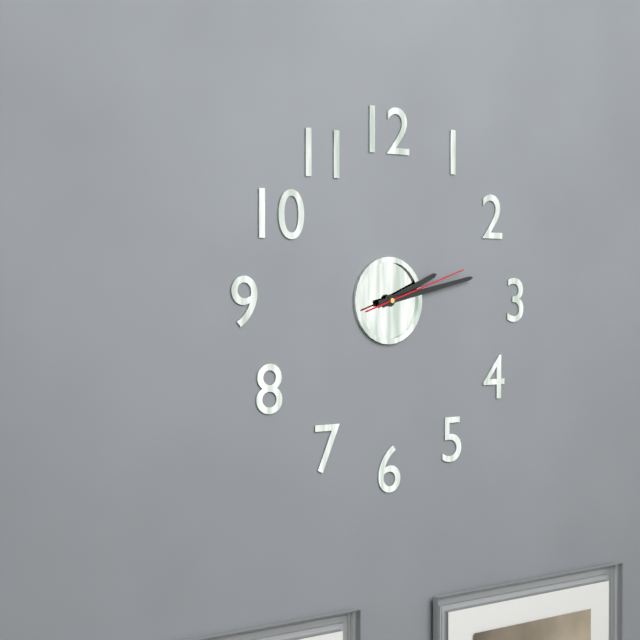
2:13:12
